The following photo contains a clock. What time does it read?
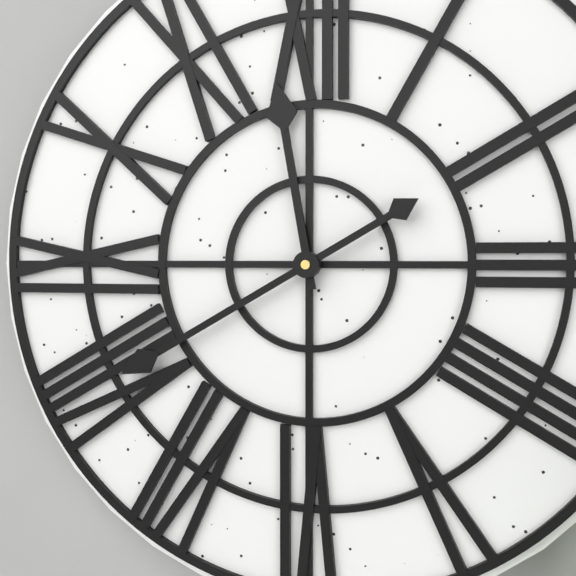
11:40
